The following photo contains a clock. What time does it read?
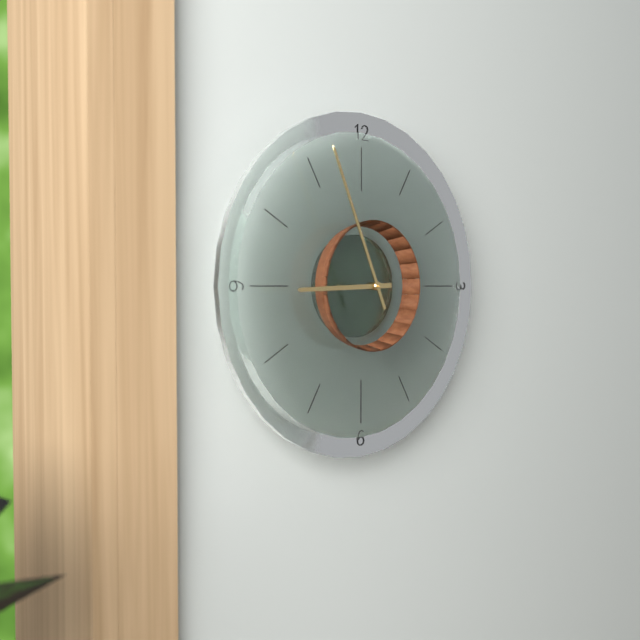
8:56
